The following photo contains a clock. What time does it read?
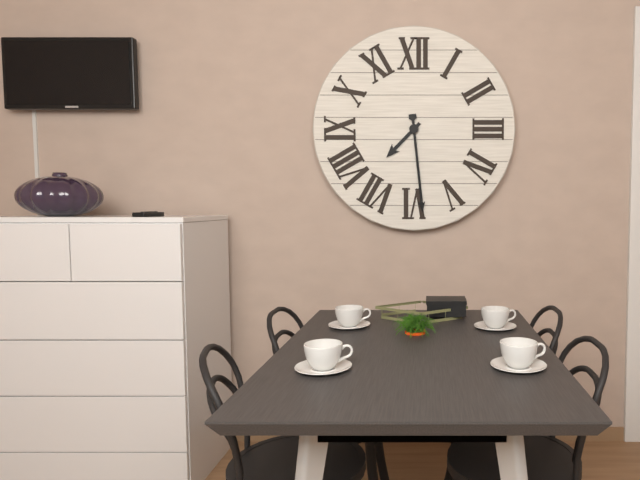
7:29
